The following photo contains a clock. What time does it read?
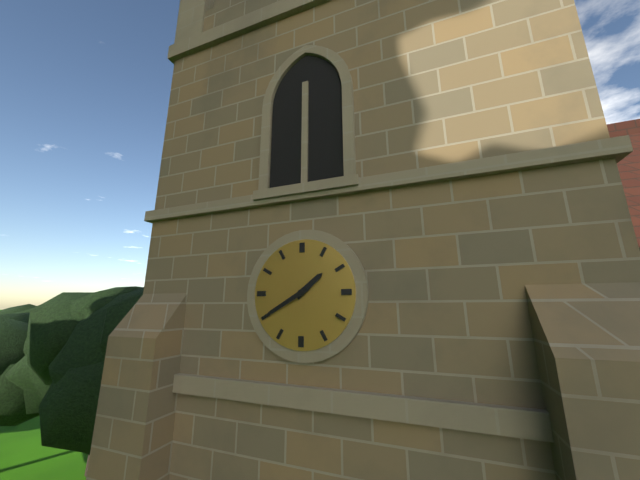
1:40
